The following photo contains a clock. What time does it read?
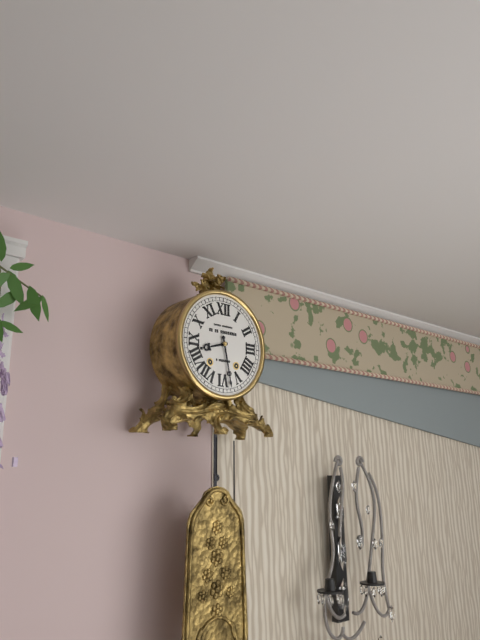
8:28
